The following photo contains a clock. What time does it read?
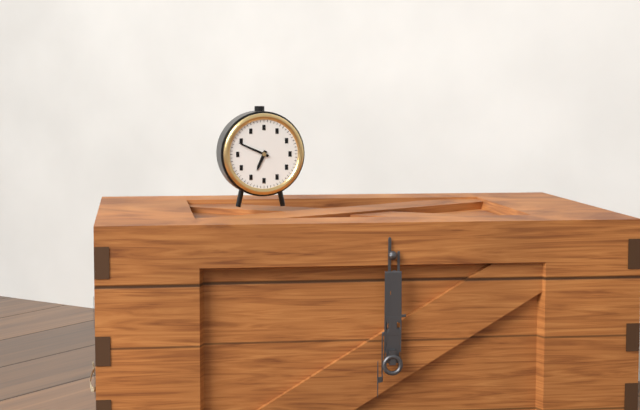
6:49
